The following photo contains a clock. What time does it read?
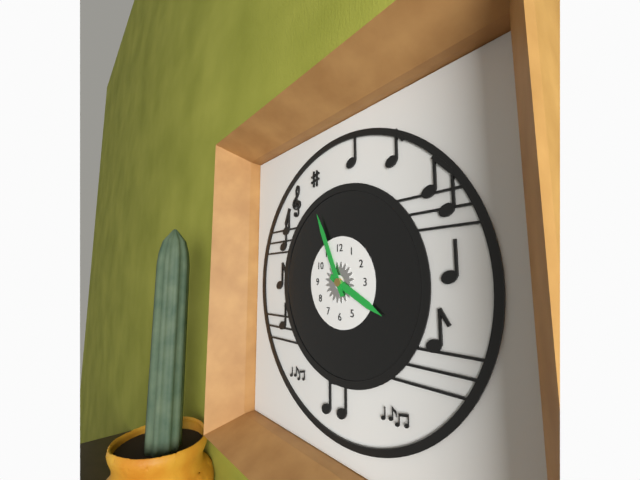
3:56
